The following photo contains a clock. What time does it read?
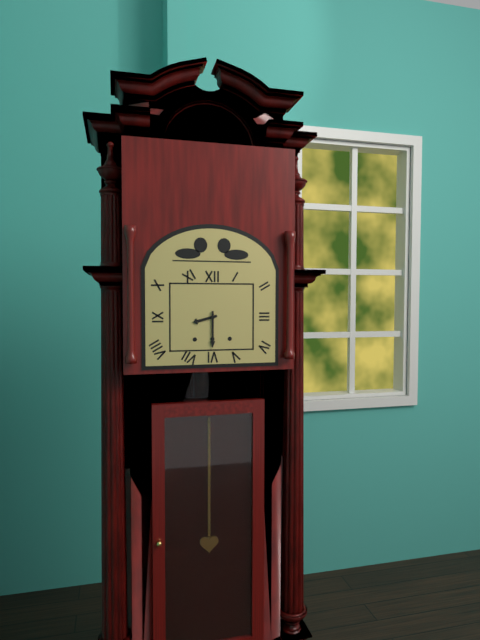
8:30
